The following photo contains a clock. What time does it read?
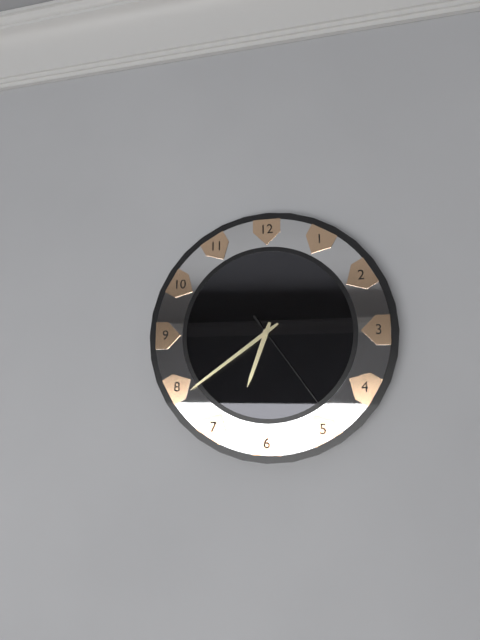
6:39:24
